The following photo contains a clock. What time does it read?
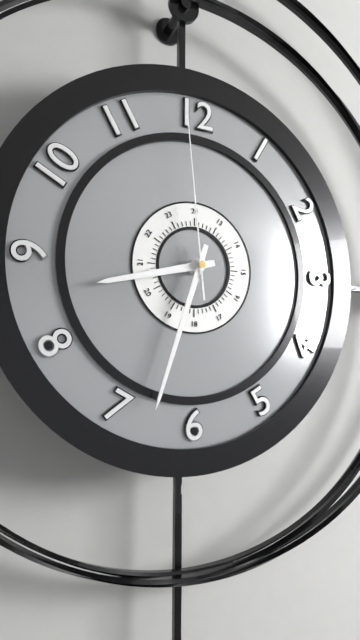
8:33:59
